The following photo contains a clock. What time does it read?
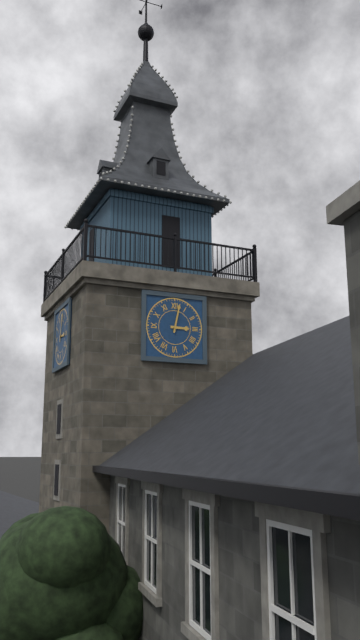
3:02
